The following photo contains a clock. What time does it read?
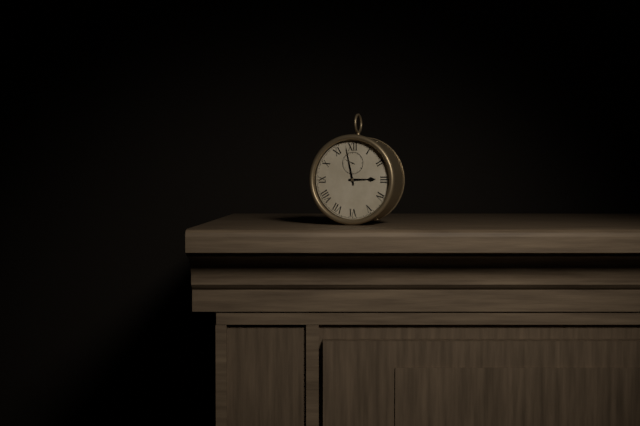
2:58
